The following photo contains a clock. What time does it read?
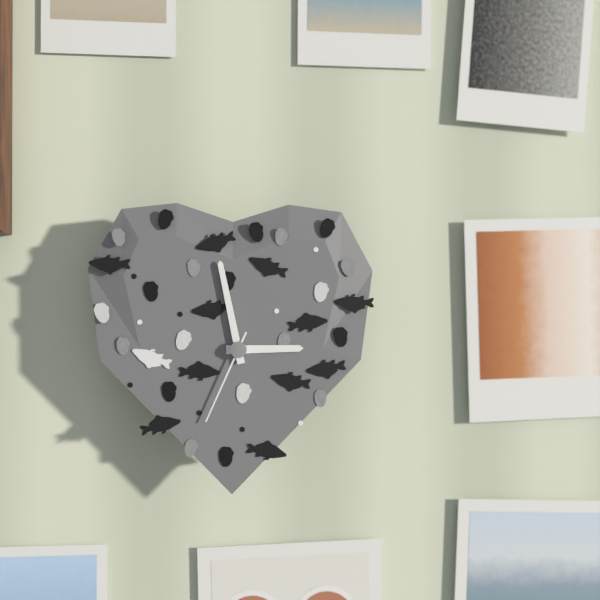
2:58:34
